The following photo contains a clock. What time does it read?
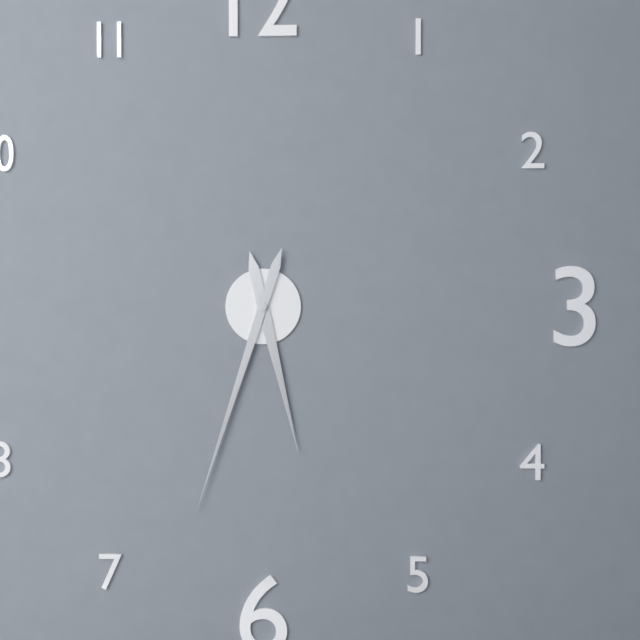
5:33
